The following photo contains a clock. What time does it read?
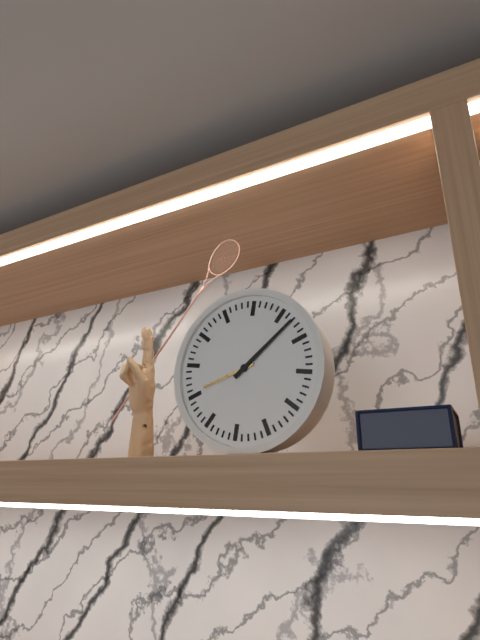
8:07
